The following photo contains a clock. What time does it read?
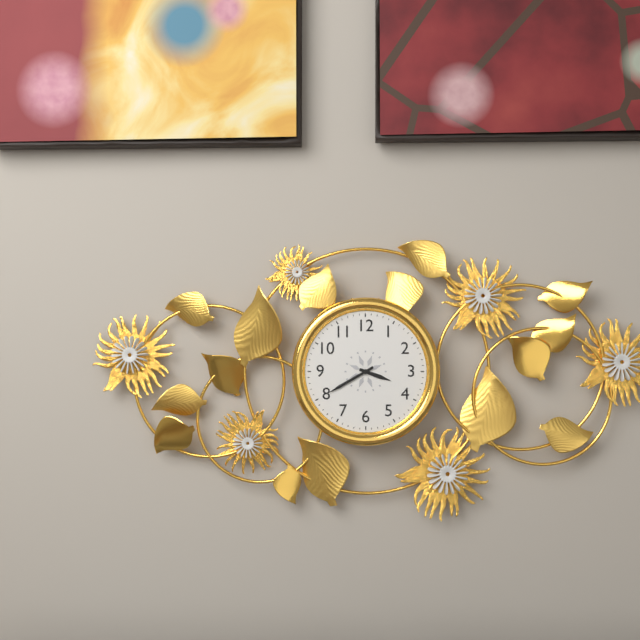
3:40
